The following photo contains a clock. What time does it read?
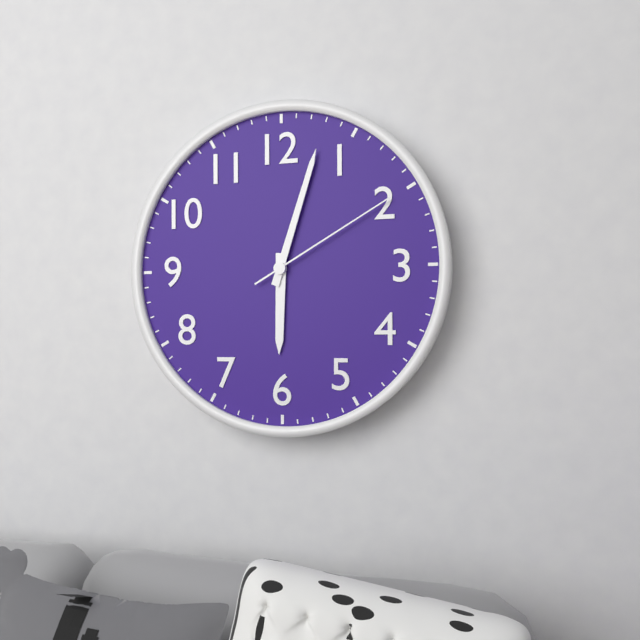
6:03:10
